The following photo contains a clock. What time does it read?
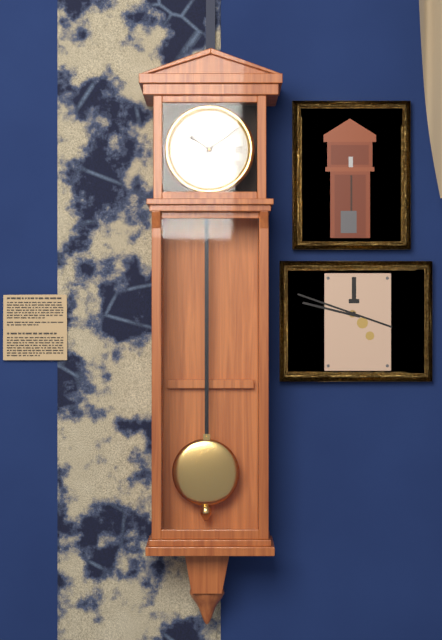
10:09
